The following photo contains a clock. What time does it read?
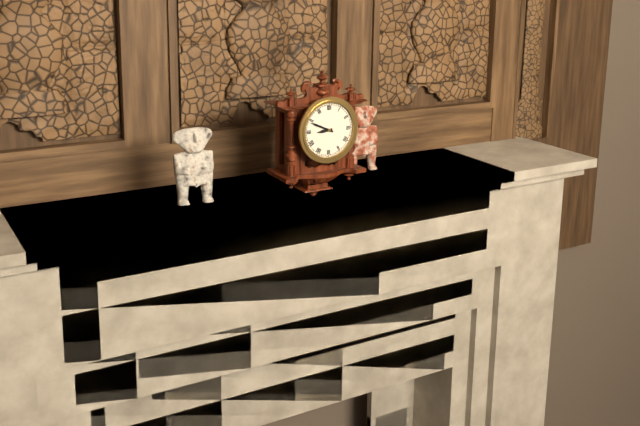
8:49
